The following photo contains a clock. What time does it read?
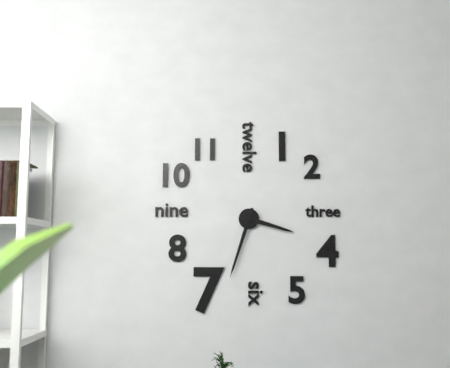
3:33
